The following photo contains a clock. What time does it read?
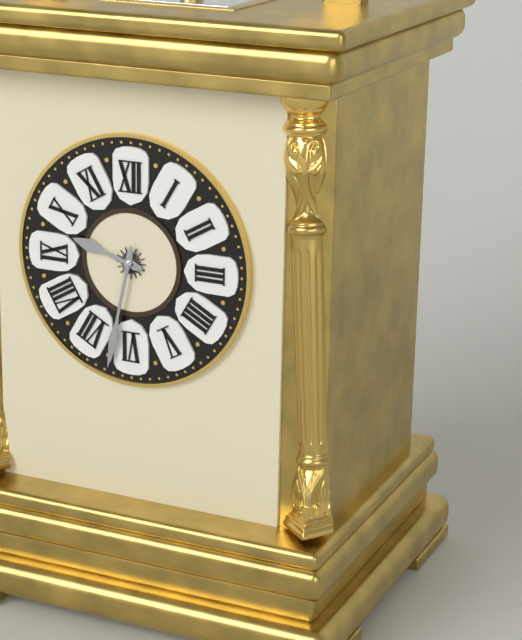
9:32
